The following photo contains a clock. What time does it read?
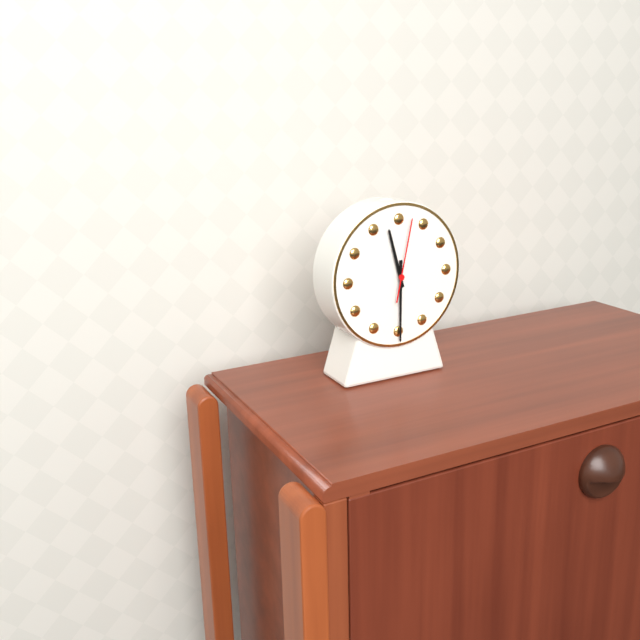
11:30:02
